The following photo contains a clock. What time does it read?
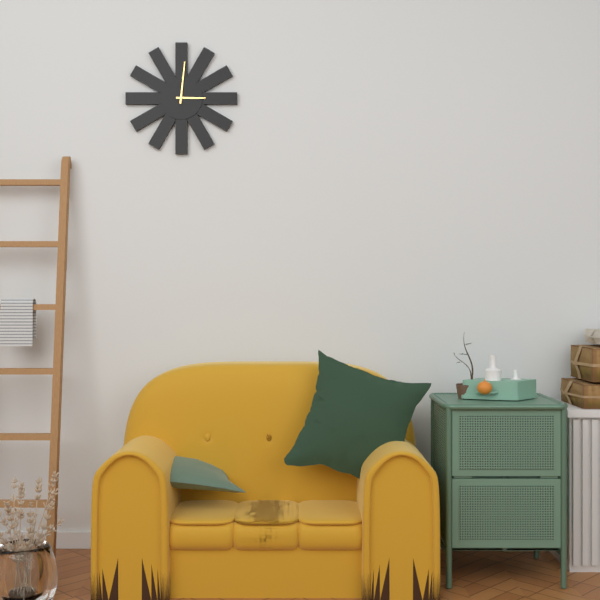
3:01
